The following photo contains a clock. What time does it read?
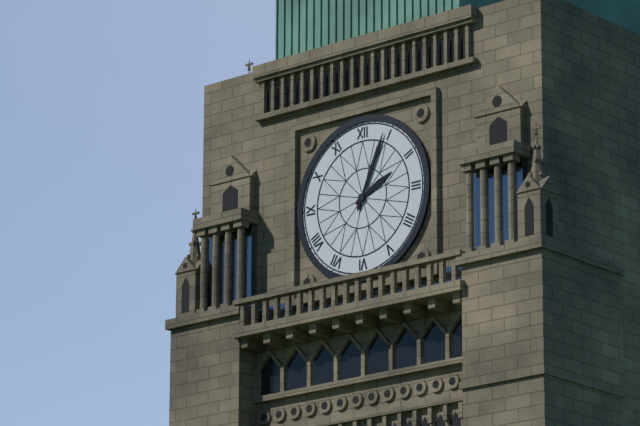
2:04
